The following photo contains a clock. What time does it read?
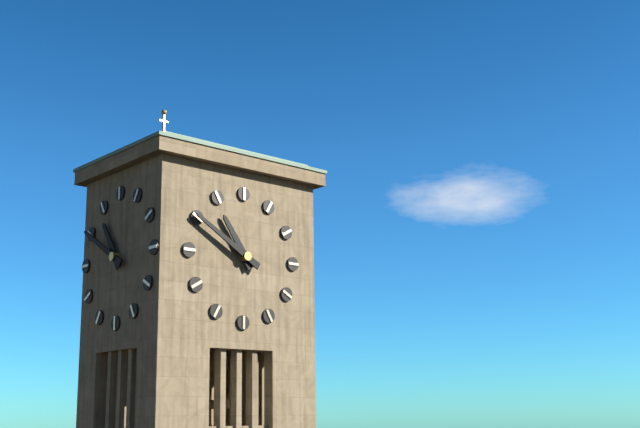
10:50
